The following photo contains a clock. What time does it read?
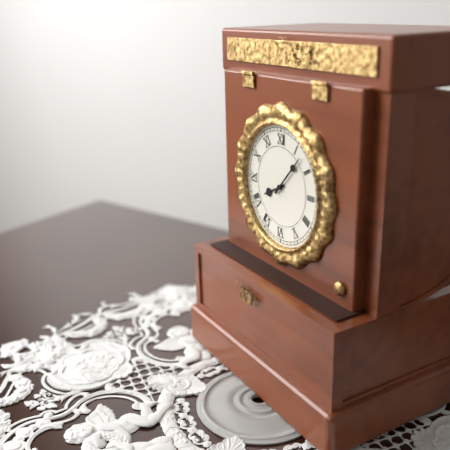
8:07
